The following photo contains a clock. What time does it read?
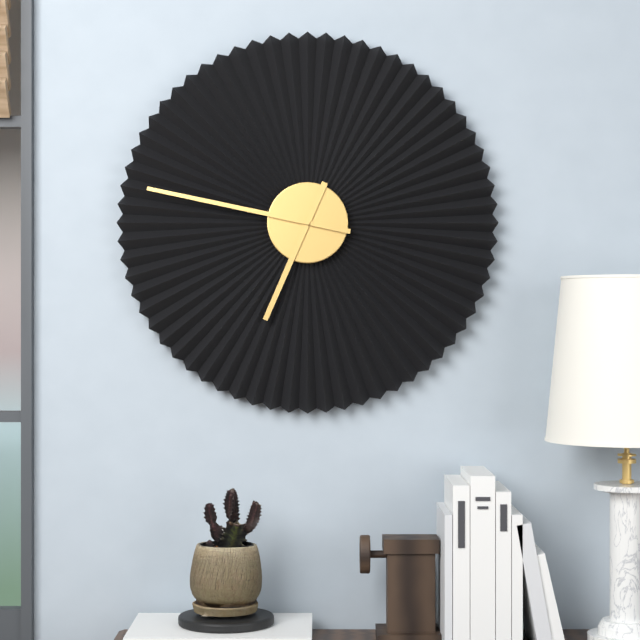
6:47
